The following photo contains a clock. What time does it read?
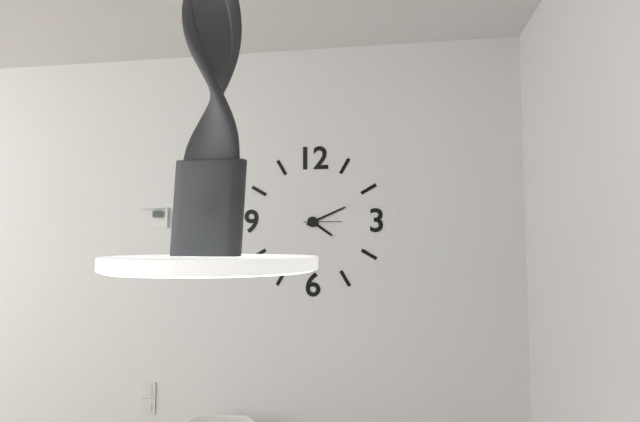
4:11
